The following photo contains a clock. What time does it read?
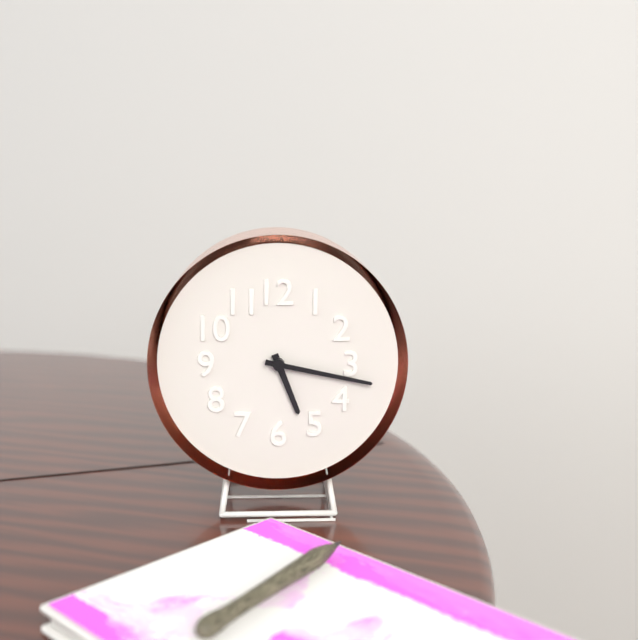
5:17
